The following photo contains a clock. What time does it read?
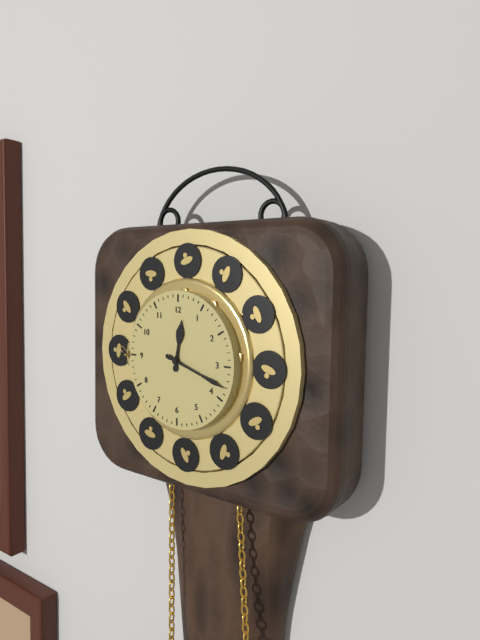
12:18
